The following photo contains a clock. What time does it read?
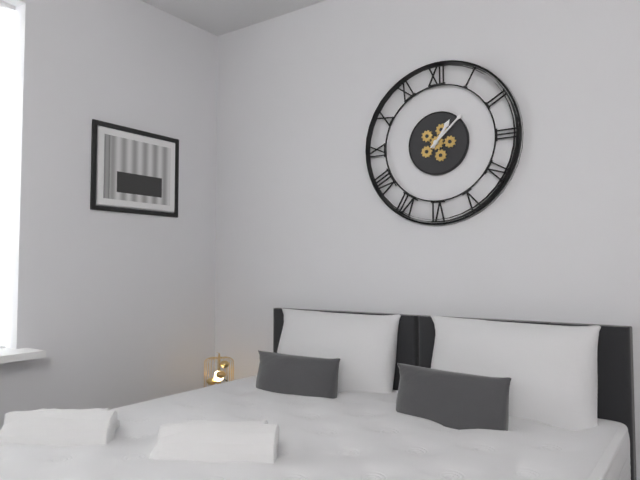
1:08
